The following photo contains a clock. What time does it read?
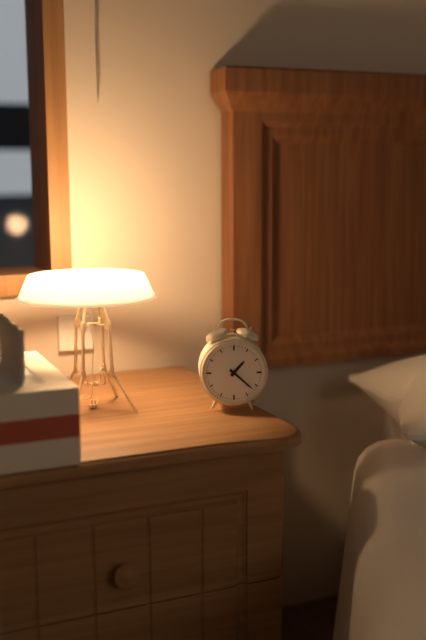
1:22
